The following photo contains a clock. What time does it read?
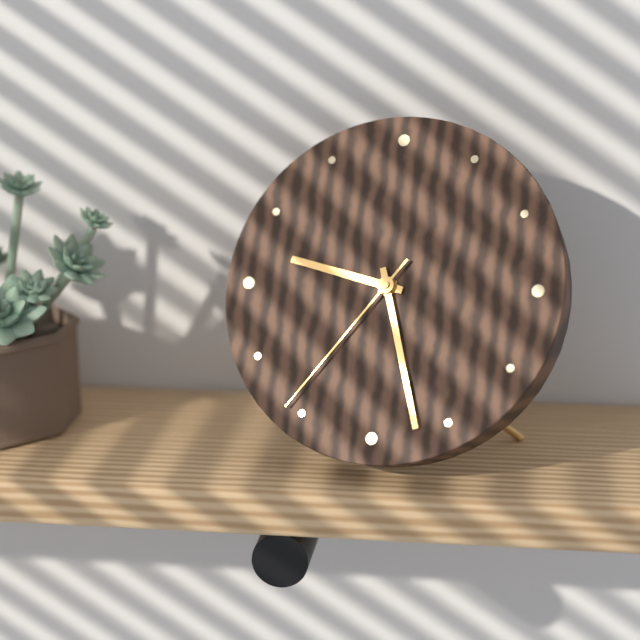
9:27:36
